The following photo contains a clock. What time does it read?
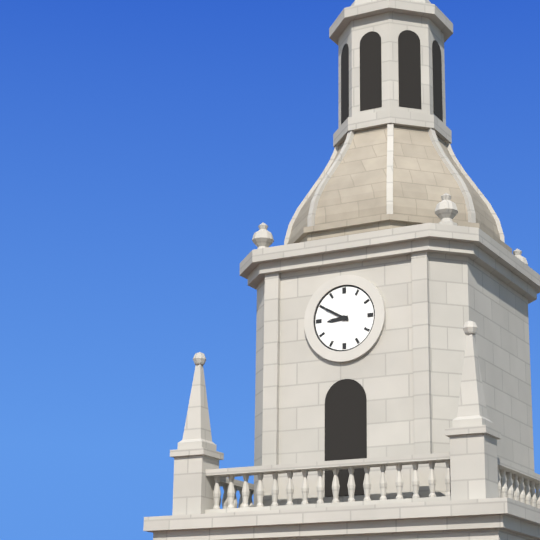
8:50
